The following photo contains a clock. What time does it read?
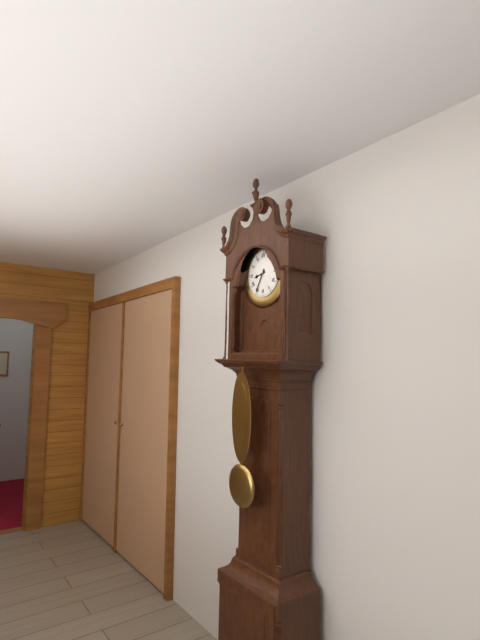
8:35
